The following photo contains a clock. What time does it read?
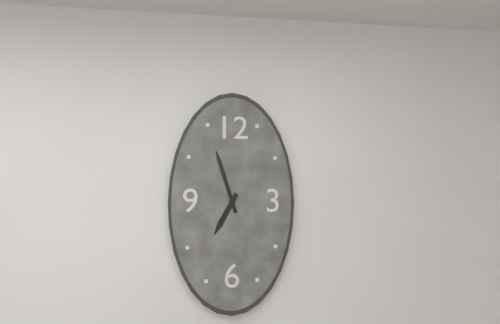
6:57
